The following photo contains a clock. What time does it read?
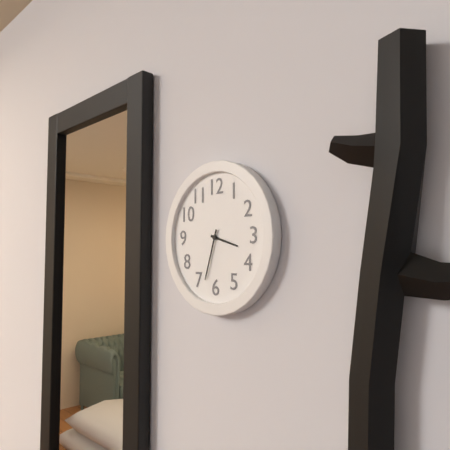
3:33
